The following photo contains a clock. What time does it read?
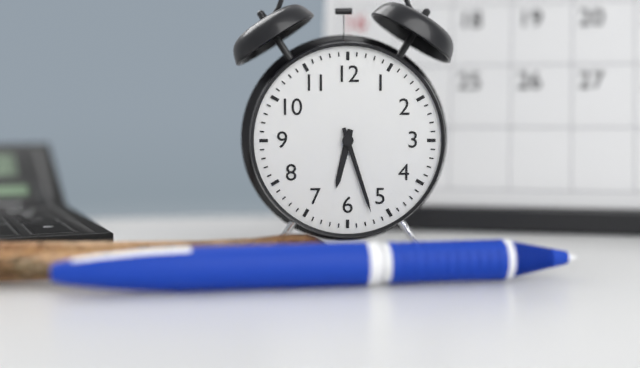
6:27
